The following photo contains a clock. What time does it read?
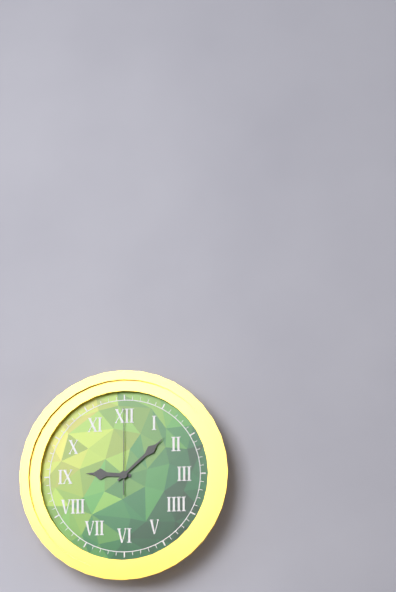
9:08:00
